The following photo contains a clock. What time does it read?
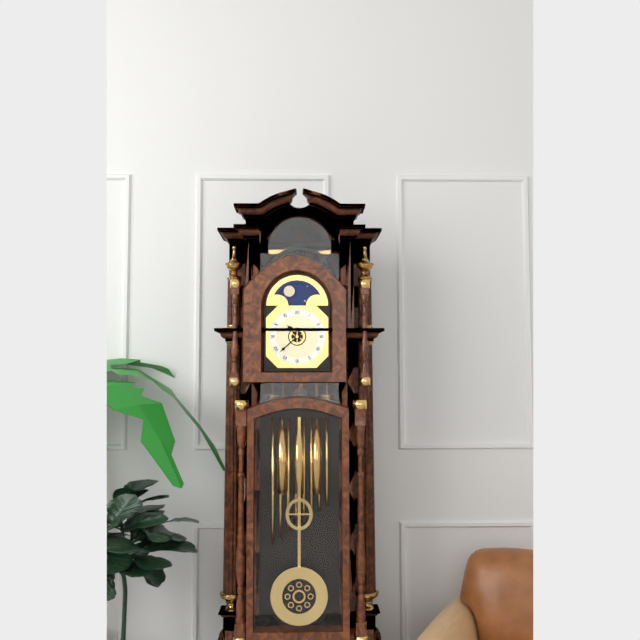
10:38
